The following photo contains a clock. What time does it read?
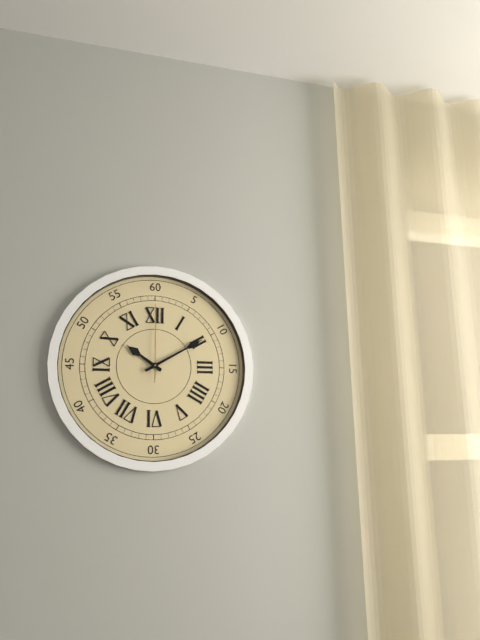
10:10:00
